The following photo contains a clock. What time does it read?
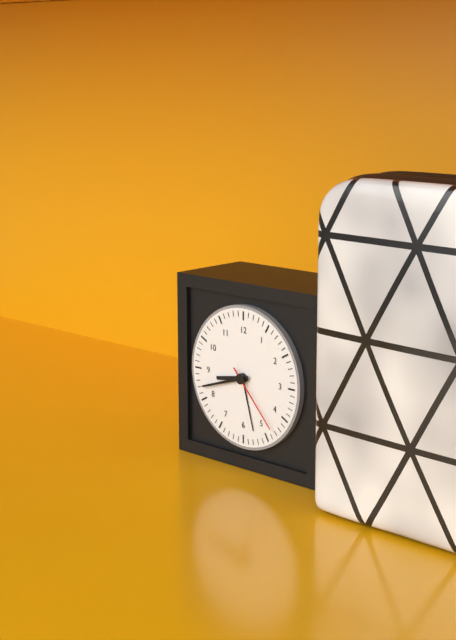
8:42:23
